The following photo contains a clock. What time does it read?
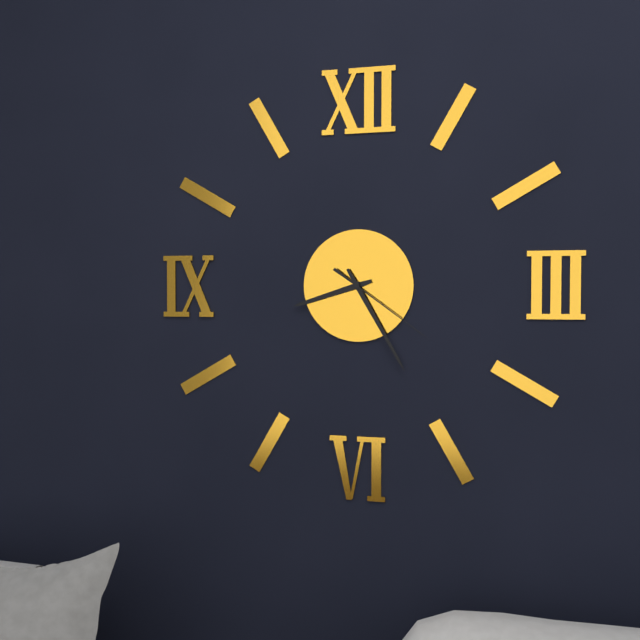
8:25:21
